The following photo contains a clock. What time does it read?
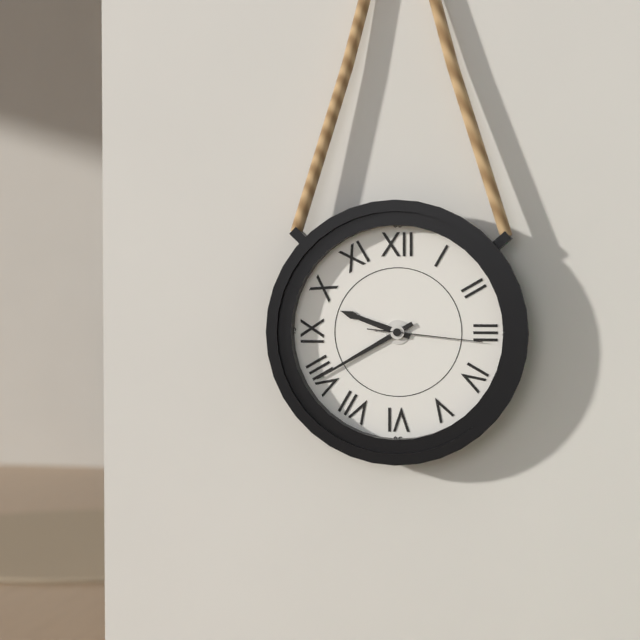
9:40:16
